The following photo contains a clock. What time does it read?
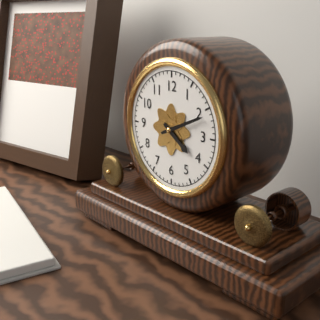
4:11
